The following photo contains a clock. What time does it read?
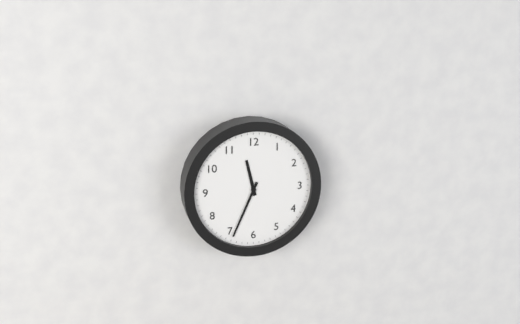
11:34
